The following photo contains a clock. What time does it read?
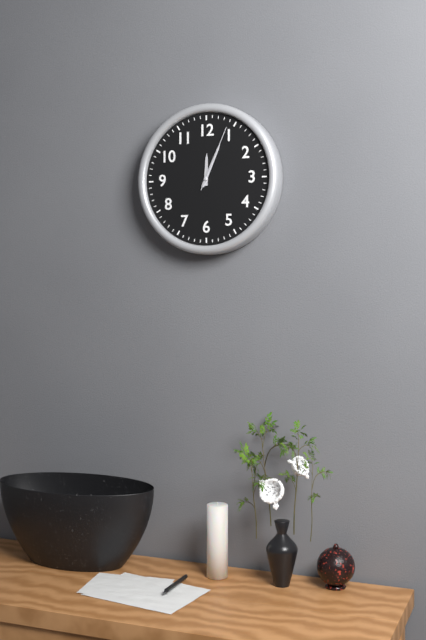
12:04:04
